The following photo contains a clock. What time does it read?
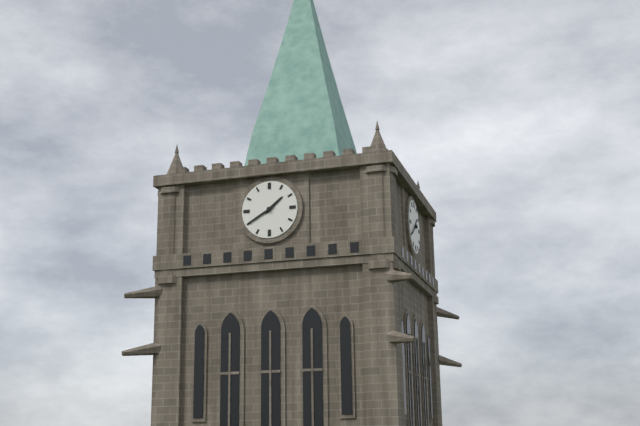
1:40
